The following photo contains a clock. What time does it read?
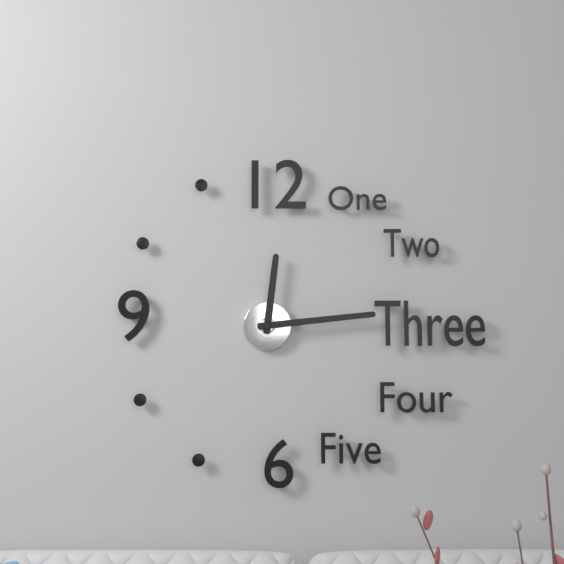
12:14
